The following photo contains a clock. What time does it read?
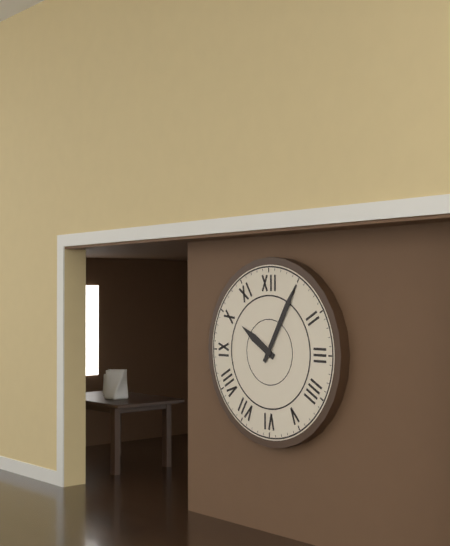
10:05
